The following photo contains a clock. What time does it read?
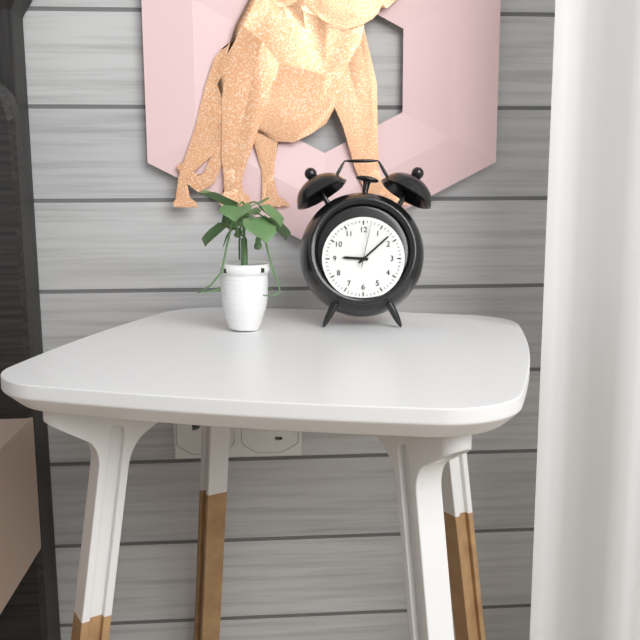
9:08
